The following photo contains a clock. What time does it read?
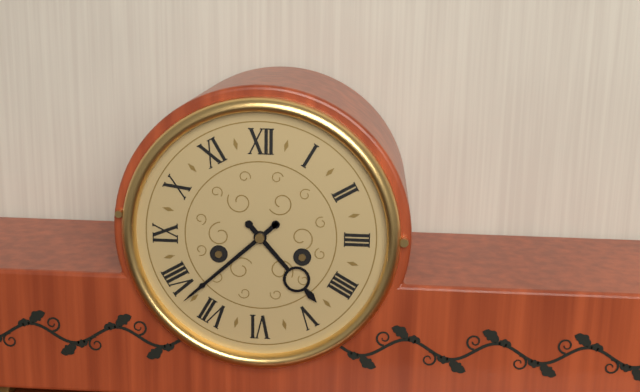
4:38
